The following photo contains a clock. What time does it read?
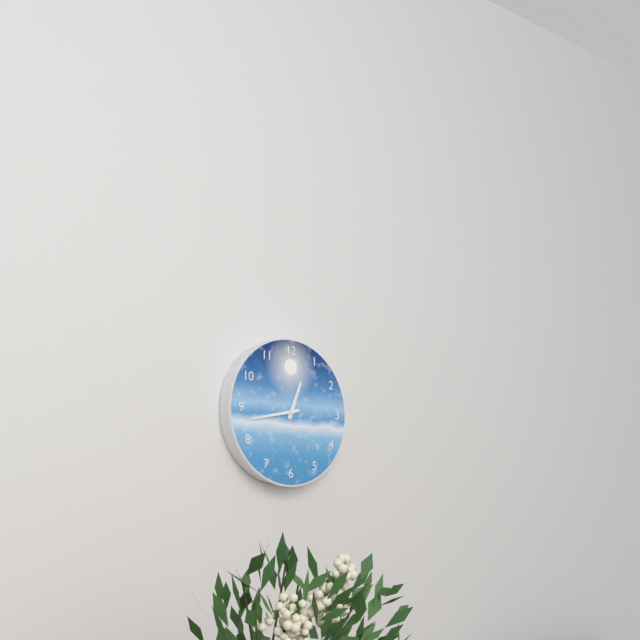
12:43
